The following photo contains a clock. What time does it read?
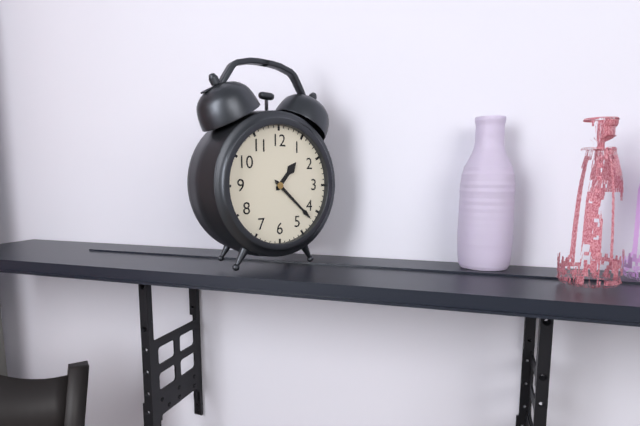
1:22
